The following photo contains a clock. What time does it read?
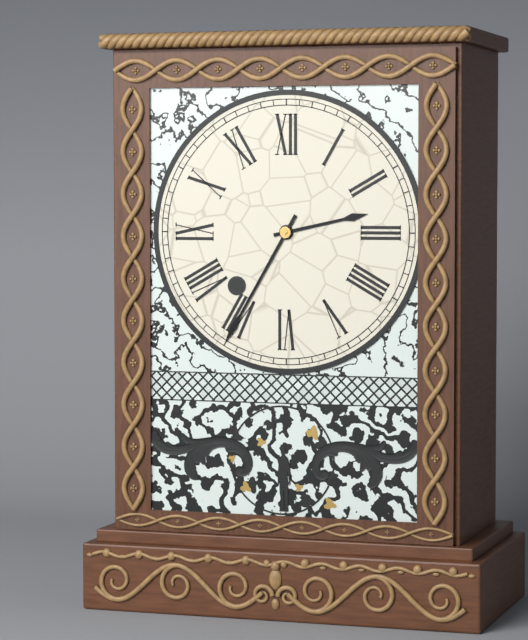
2:35
